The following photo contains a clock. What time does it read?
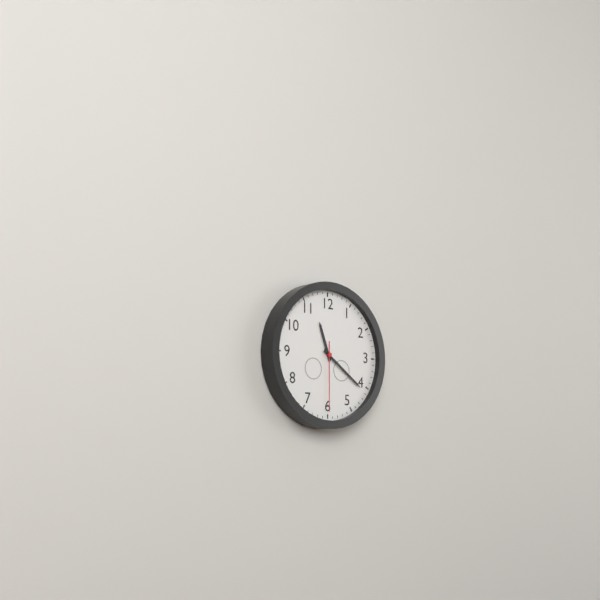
11:21:30
